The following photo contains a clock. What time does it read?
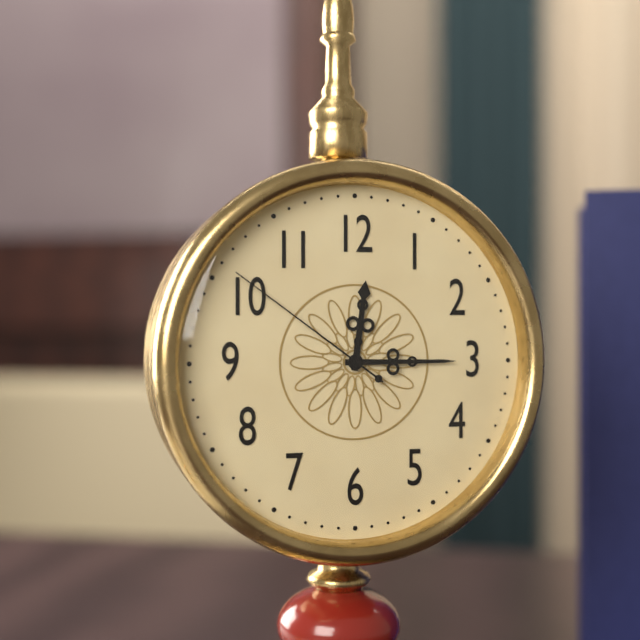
12:15:51
